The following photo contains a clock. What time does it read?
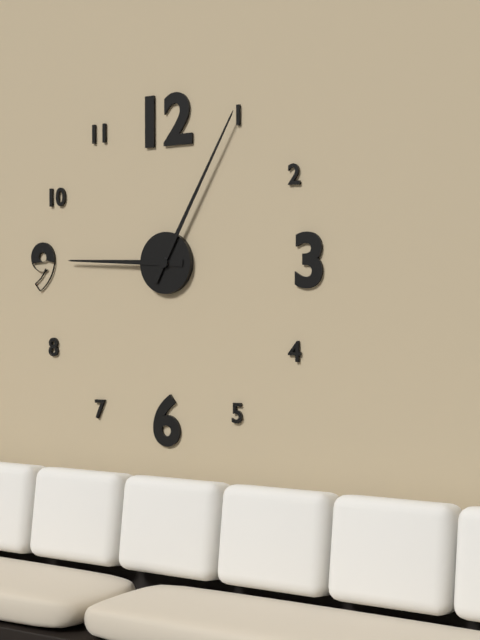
9:05
